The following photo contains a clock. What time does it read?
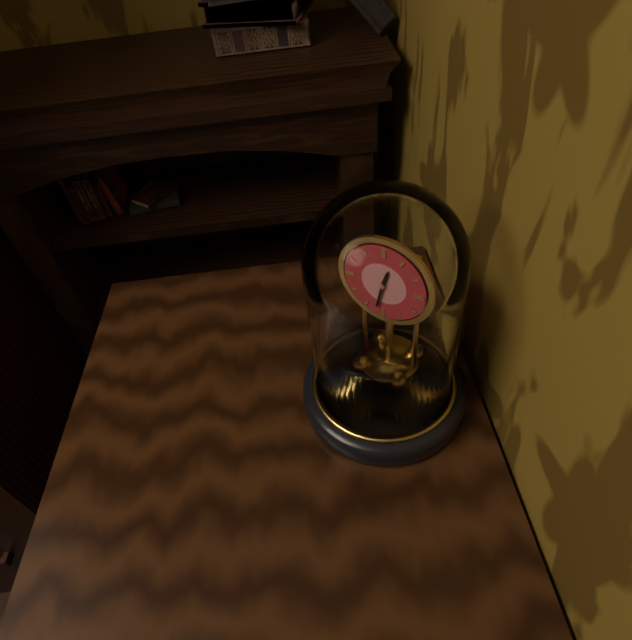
12:32
